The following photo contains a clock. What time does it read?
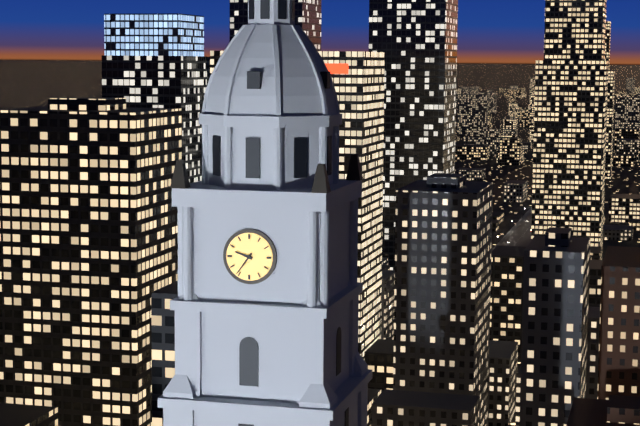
9:36
